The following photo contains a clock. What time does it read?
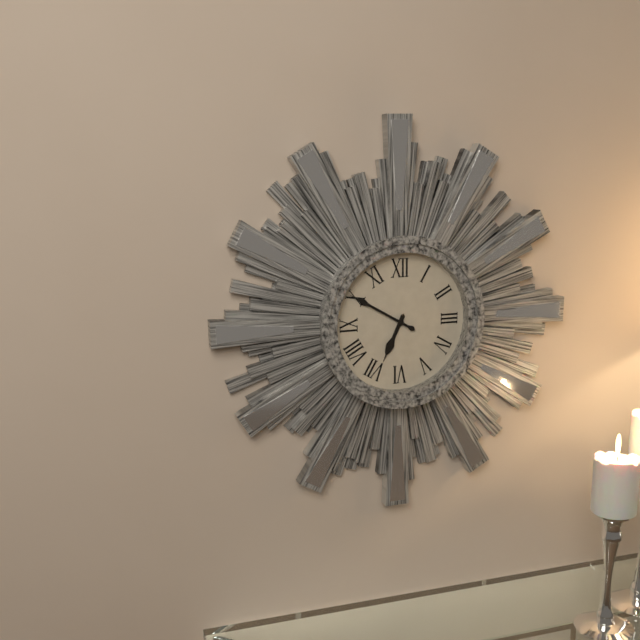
6:50
